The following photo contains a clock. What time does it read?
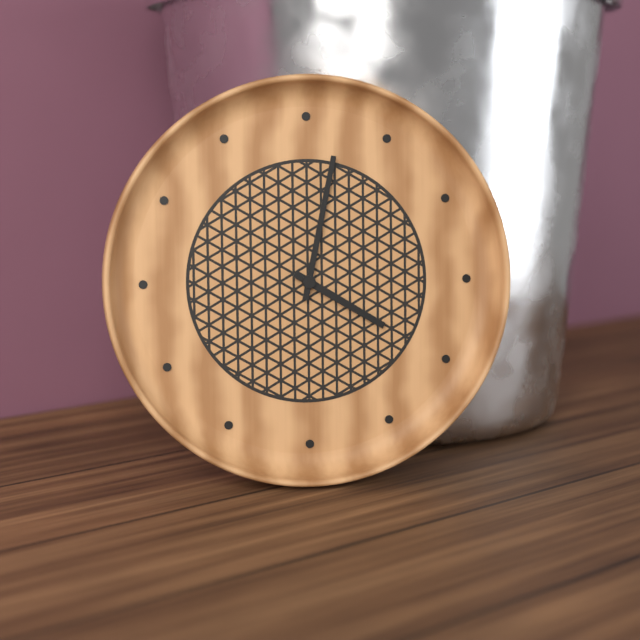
4:02
